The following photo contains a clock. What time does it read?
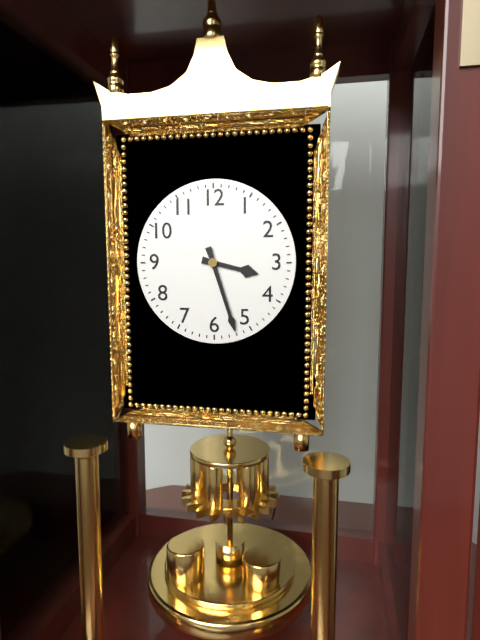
3:27
